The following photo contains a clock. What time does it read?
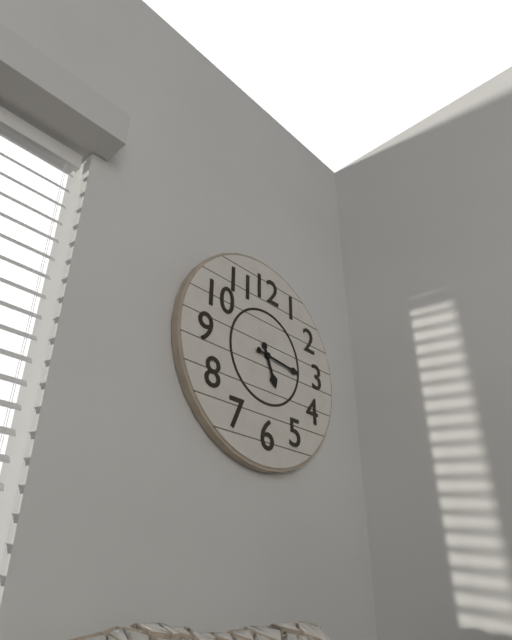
5:16
